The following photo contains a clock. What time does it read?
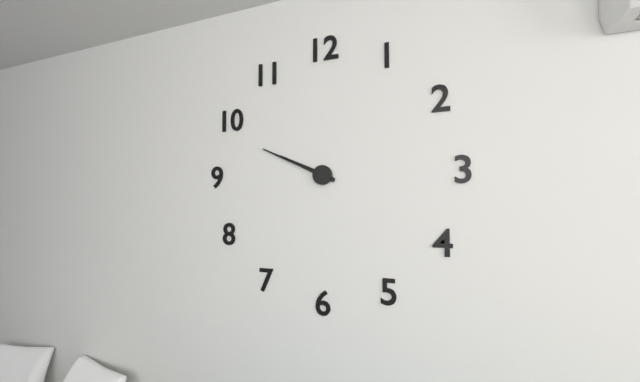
9:49
